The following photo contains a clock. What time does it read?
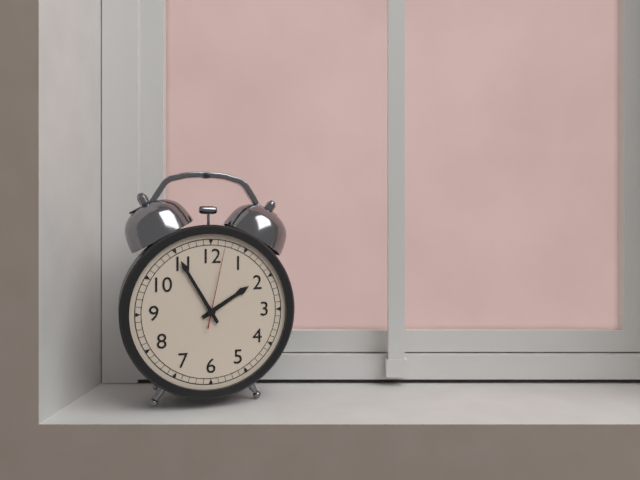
1:55:02
